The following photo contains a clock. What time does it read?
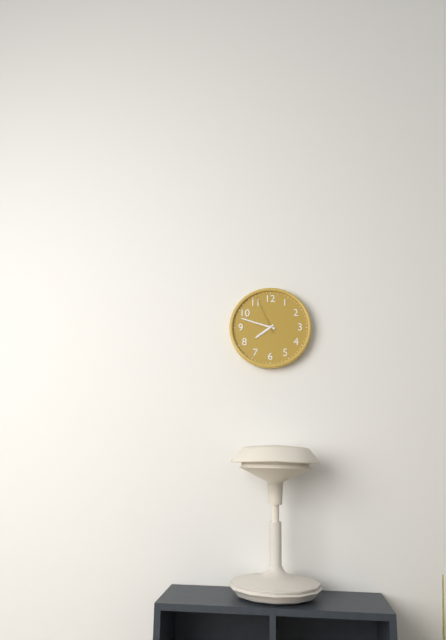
7:48
